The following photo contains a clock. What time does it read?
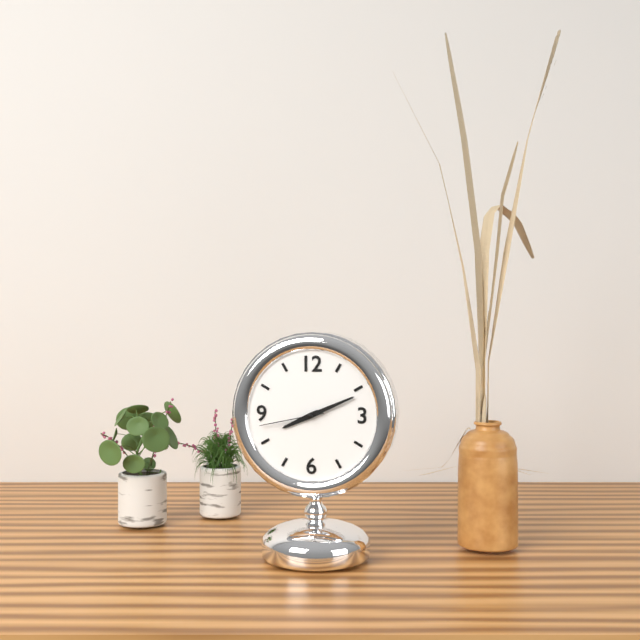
8:11:43
